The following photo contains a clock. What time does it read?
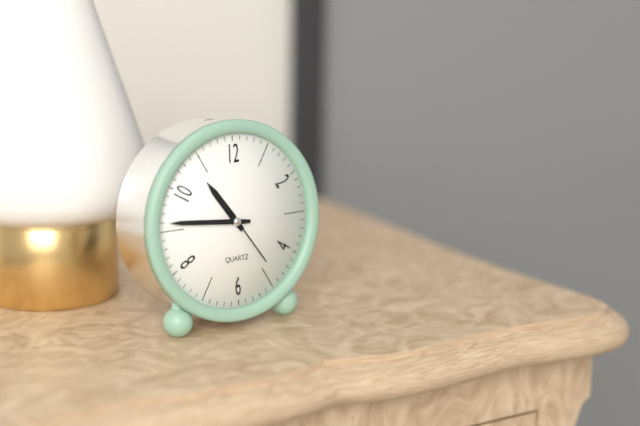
10:46:24
